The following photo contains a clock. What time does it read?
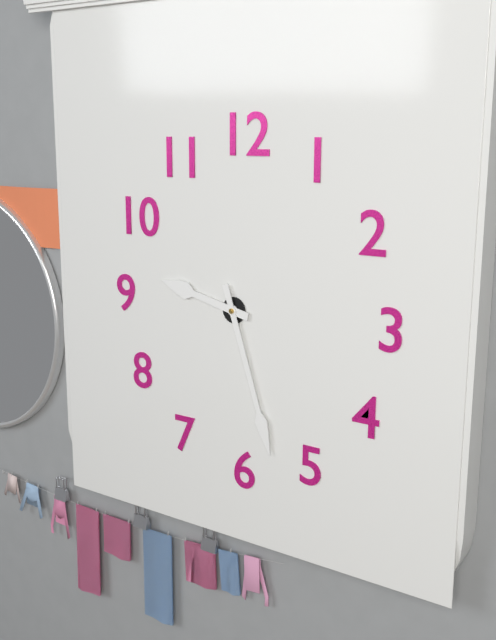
9:27
